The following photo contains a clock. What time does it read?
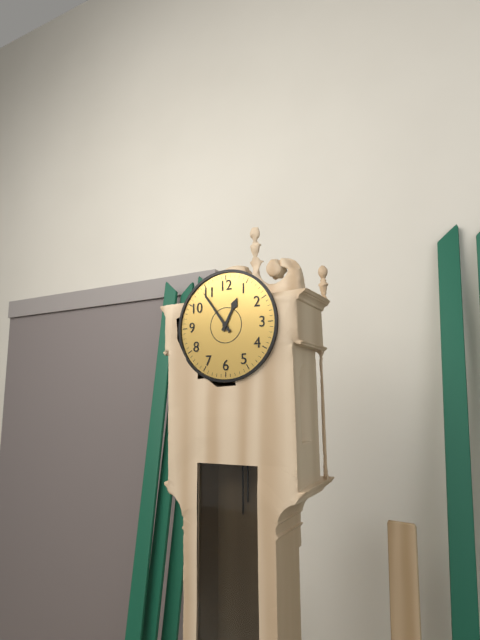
12:54
